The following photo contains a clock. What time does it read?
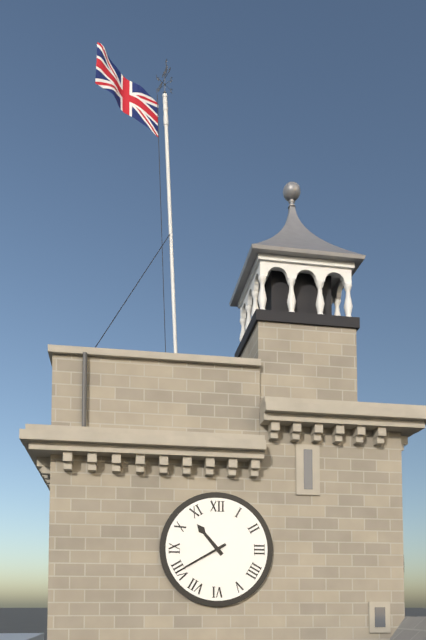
10:40
